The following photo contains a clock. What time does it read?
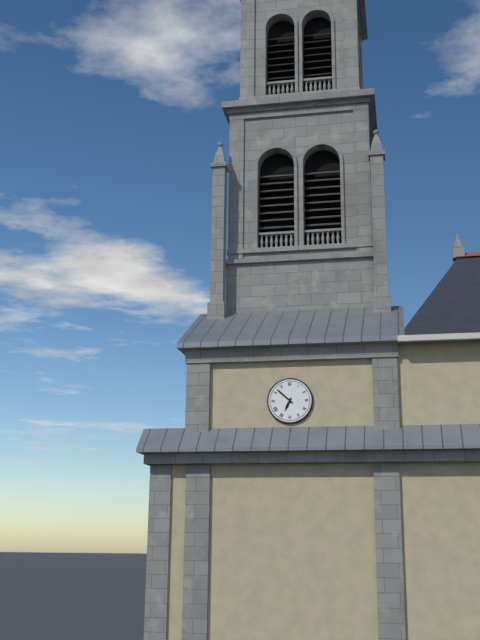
6:52
